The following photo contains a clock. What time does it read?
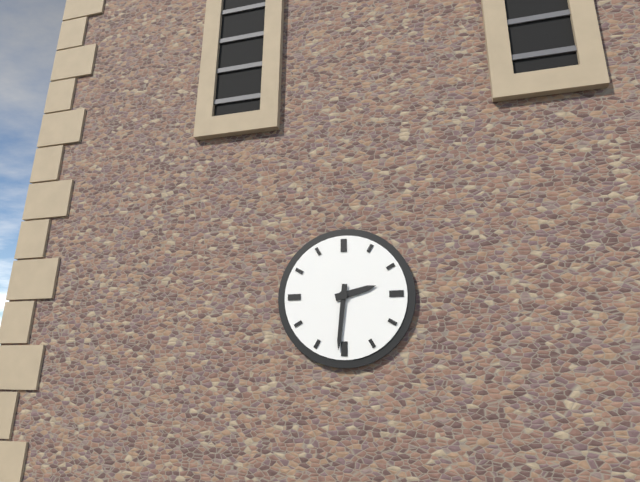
2:31
